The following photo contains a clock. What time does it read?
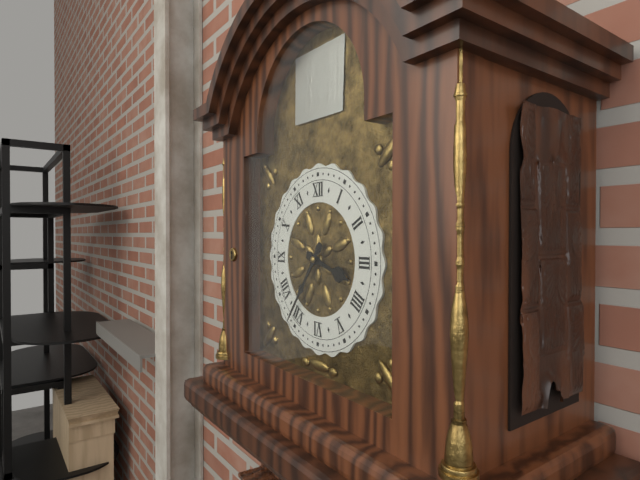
3:36
